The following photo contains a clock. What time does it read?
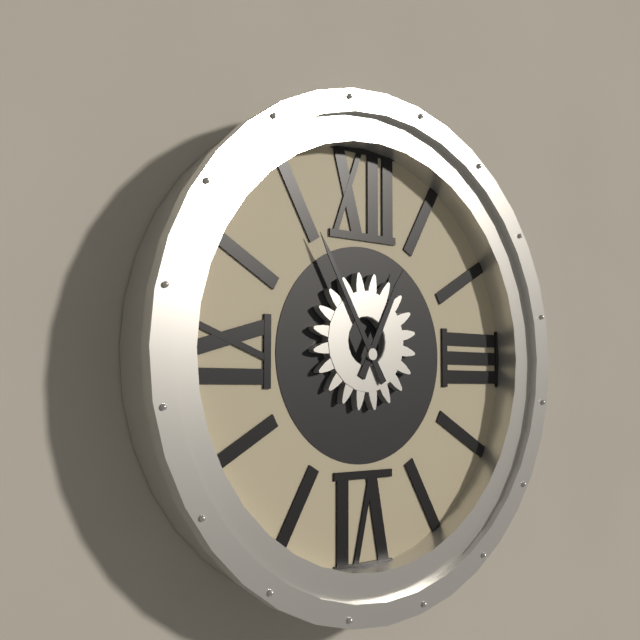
12:55
